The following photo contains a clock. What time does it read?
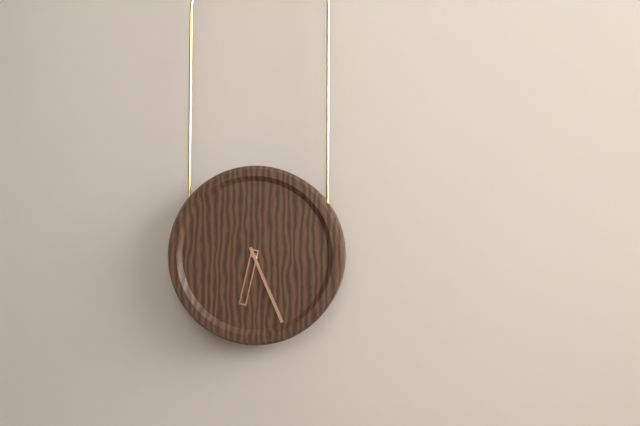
6:26
